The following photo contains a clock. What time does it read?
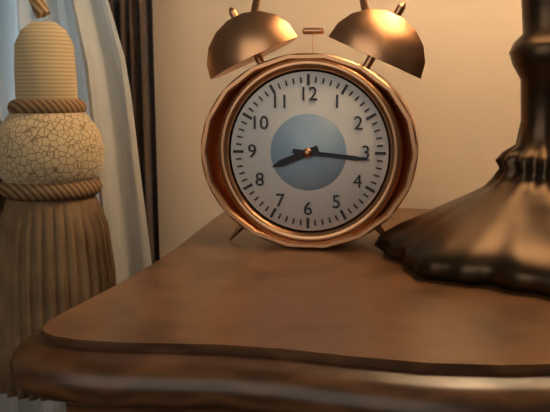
8:16
